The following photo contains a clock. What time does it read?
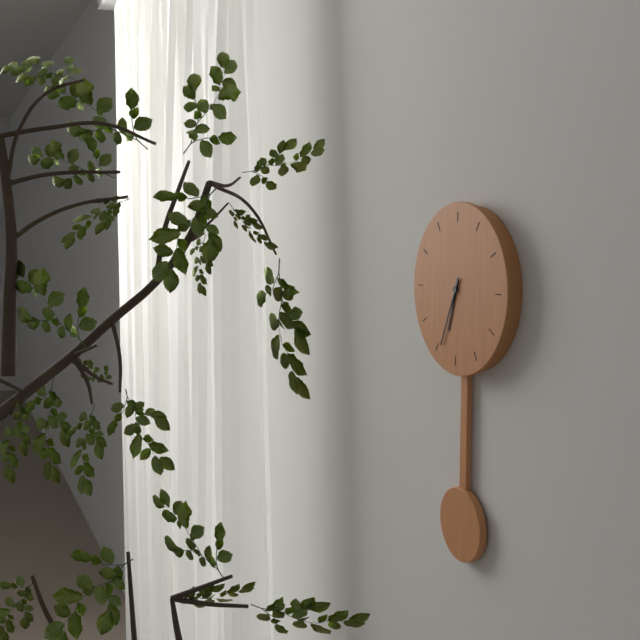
6:34
